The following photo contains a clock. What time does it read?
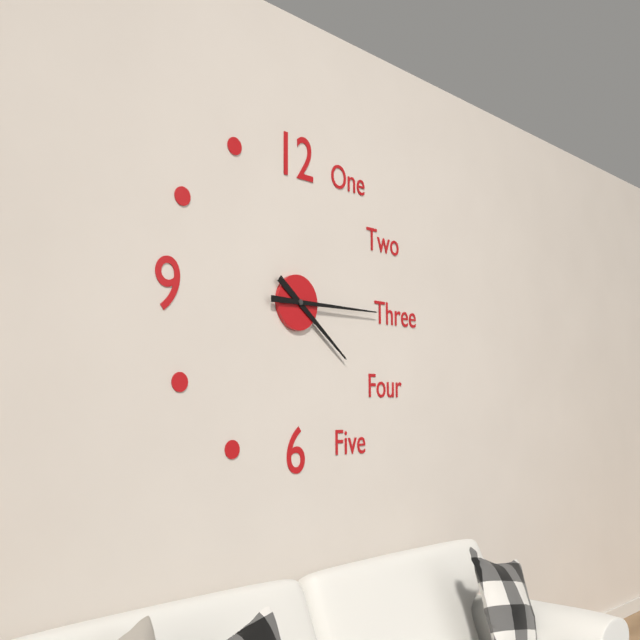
4:15
